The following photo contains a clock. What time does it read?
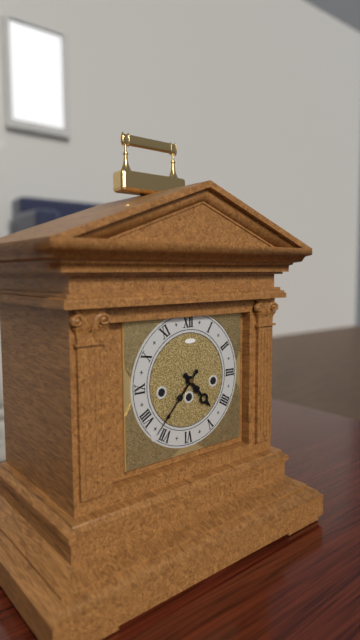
4:37
